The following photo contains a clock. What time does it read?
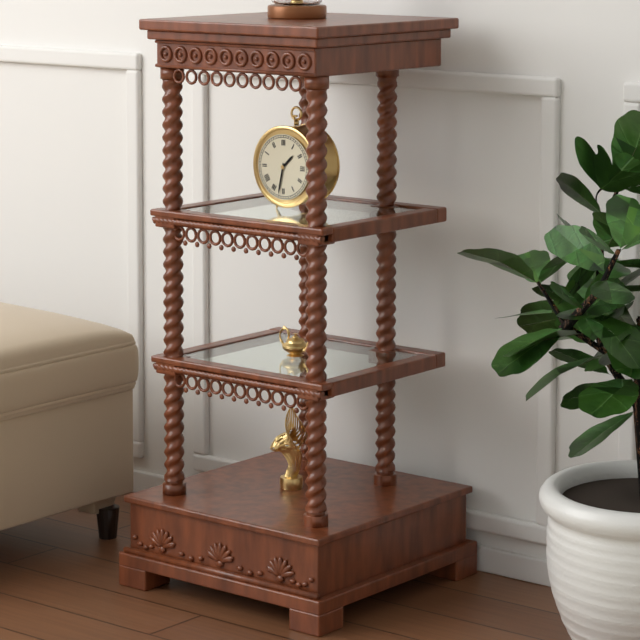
1:32
